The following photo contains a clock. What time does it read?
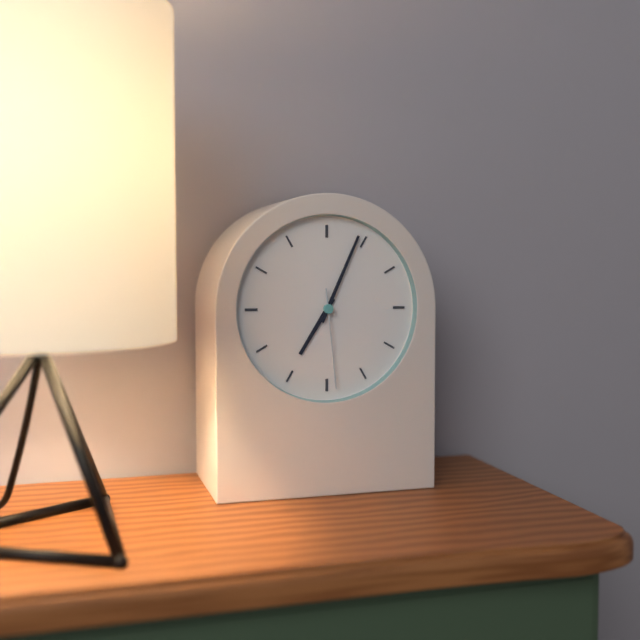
7:04:29
